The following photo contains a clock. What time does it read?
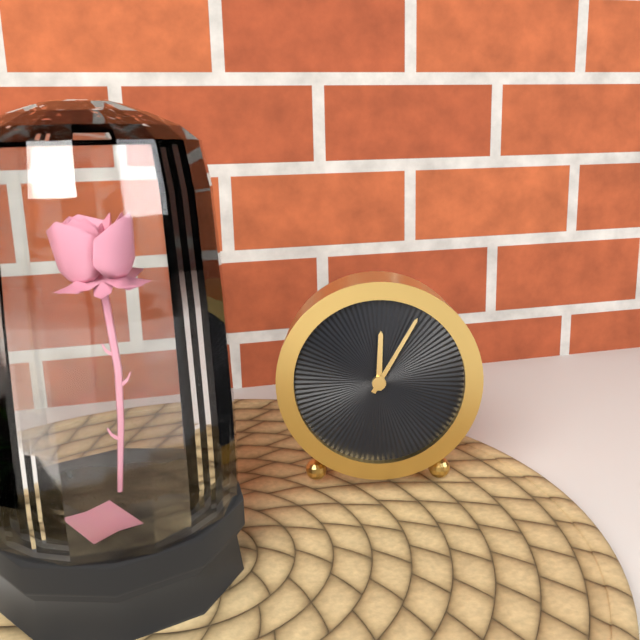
12:05
